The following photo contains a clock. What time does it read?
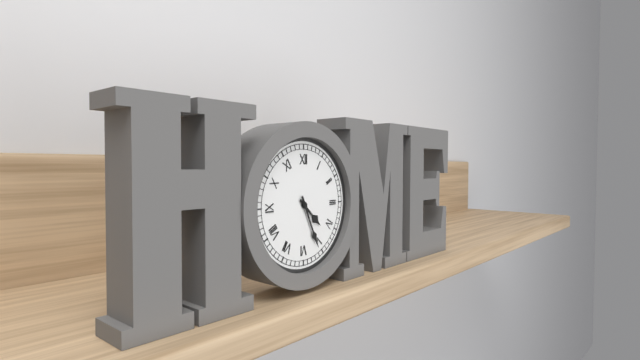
4:26
